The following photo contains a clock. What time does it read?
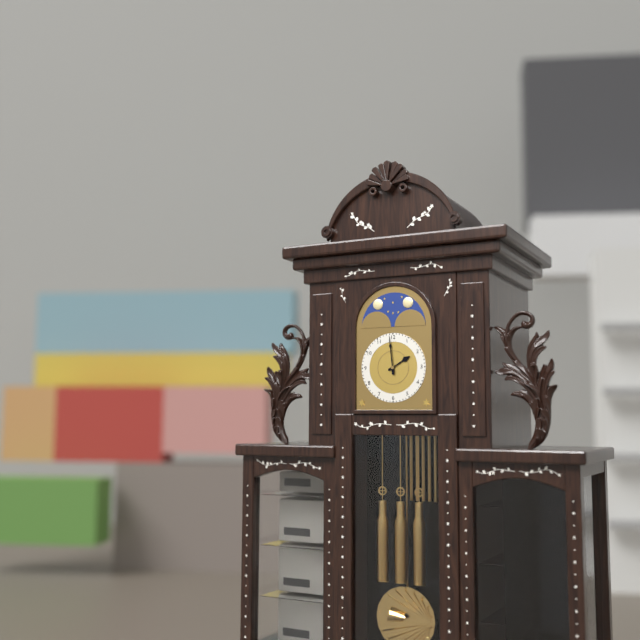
1:59
